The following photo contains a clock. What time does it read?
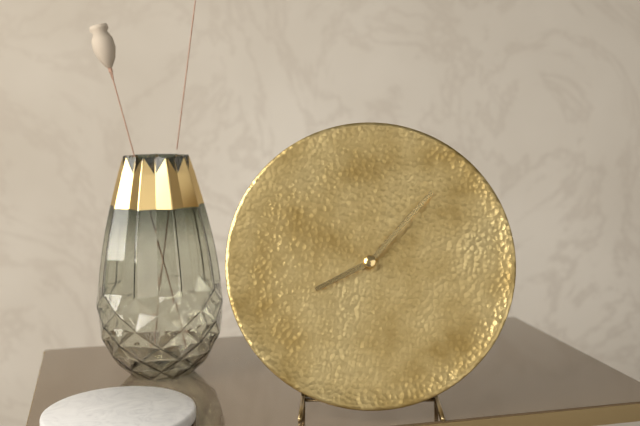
8:07
